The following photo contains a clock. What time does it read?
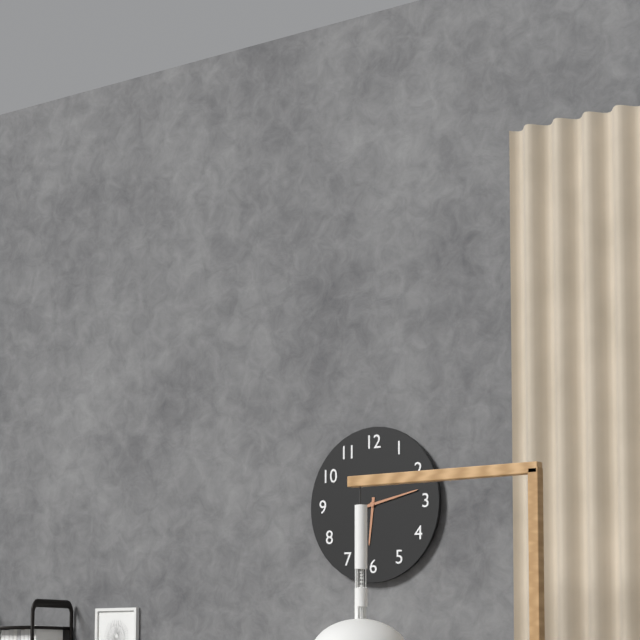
6:13
